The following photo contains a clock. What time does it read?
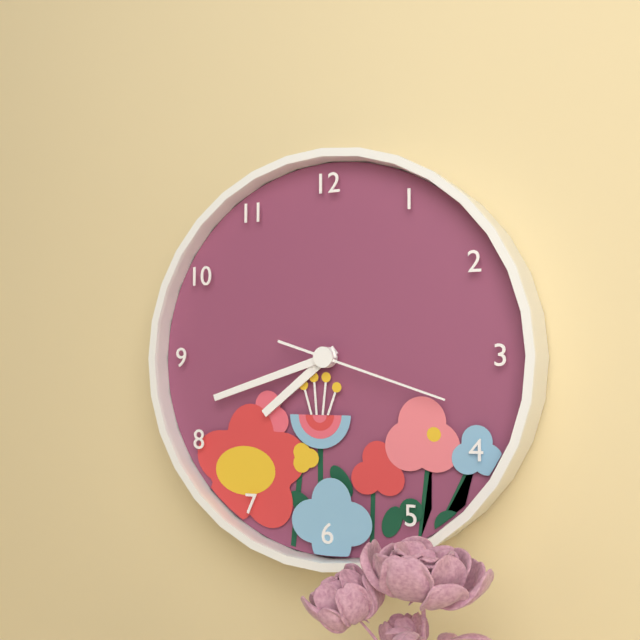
7:42:18
